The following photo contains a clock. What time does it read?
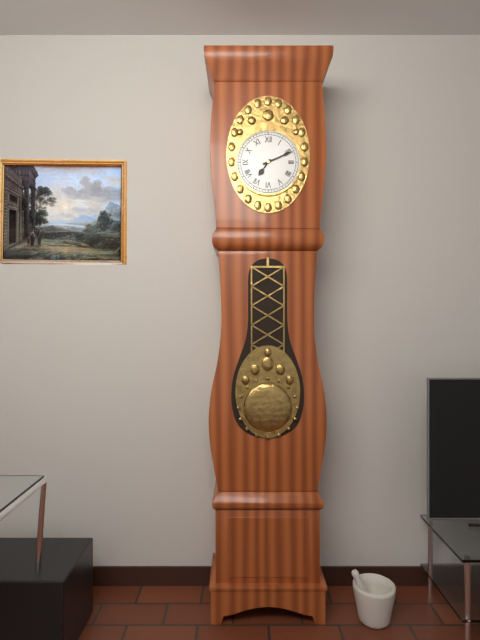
7:11
